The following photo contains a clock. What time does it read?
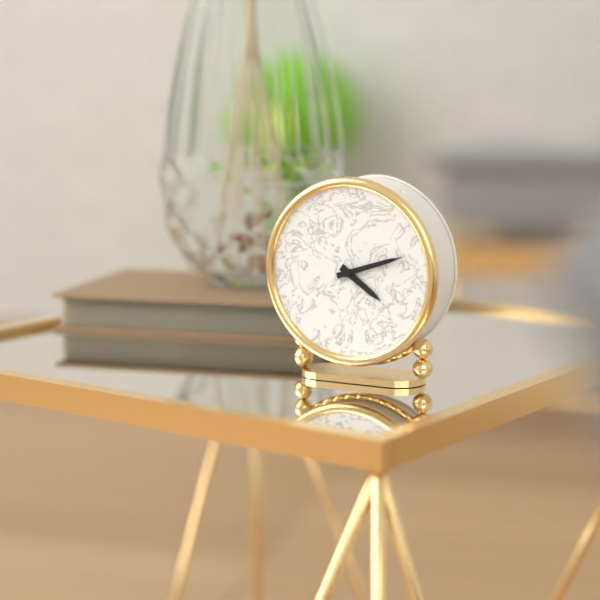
4:12
